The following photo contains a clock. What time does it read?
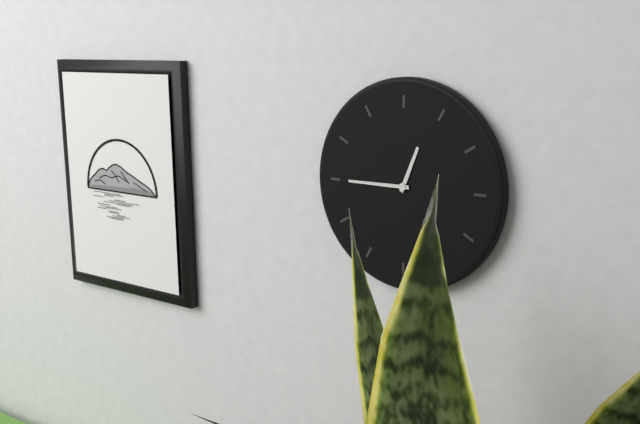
12:45
